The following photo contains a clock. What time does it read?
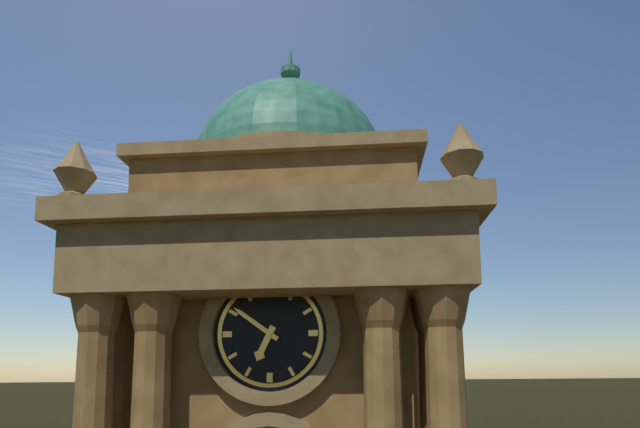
6:51
